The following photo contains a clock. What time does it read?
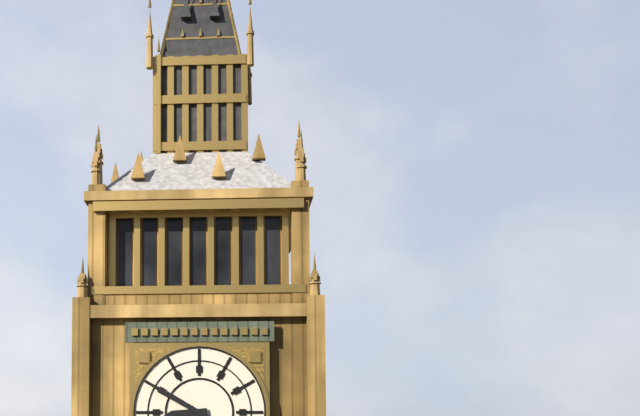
8:50
